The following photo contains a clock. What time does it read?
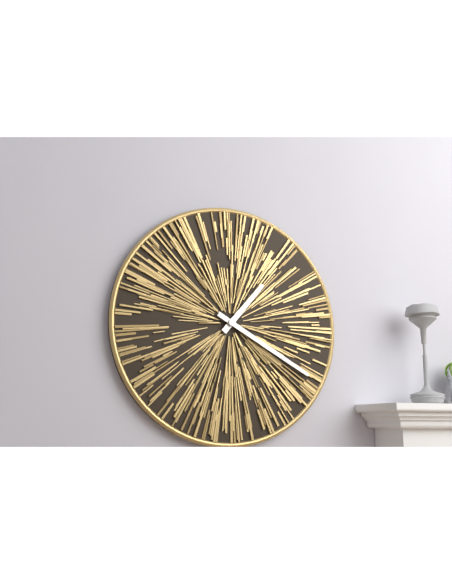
1:20
